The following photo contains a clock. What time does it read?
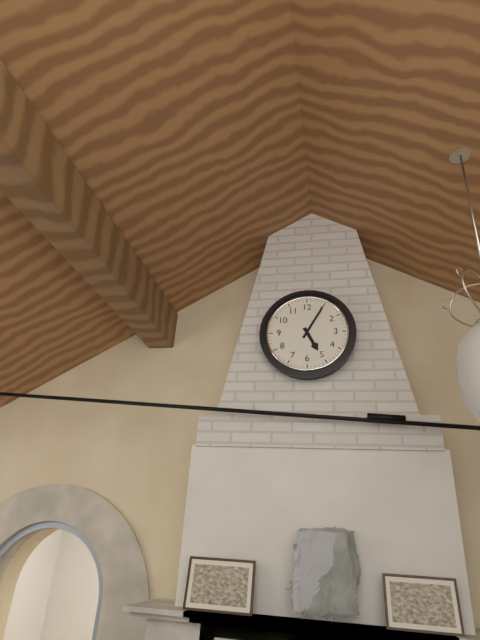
5:05
